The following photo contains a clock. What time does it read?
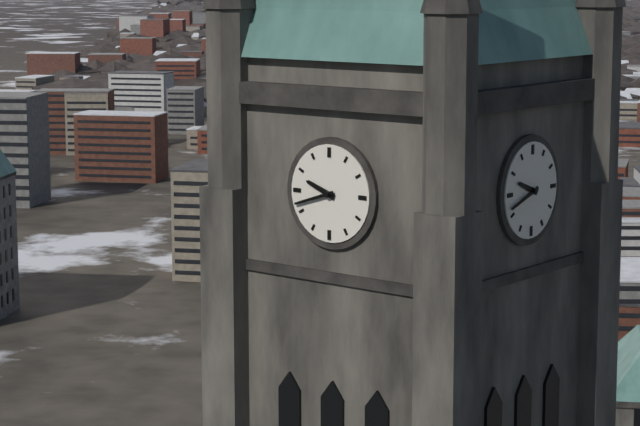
9:42
